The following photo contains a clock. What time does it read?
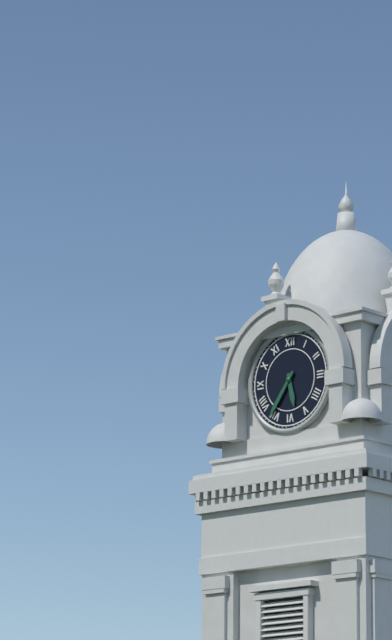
5:36
